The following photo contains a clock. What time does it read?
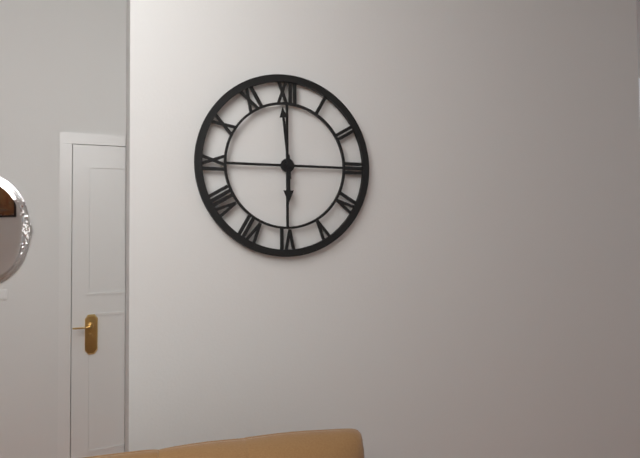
5:59
